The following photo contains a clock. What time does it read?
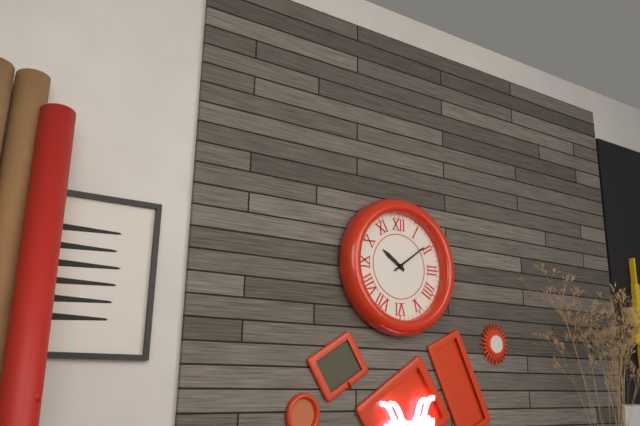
10:09
